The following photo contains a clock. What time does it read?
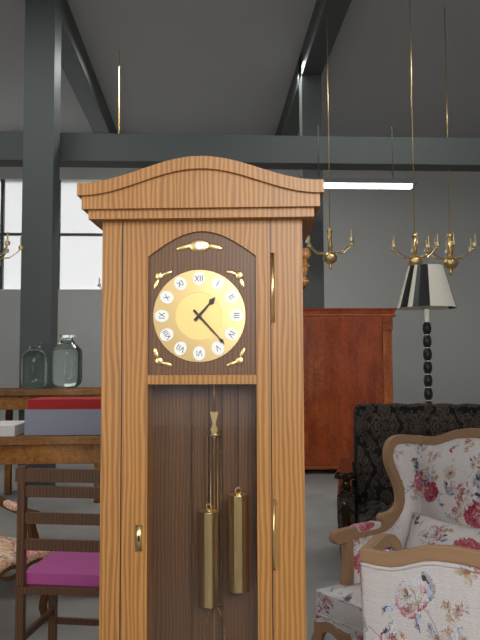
1:23
